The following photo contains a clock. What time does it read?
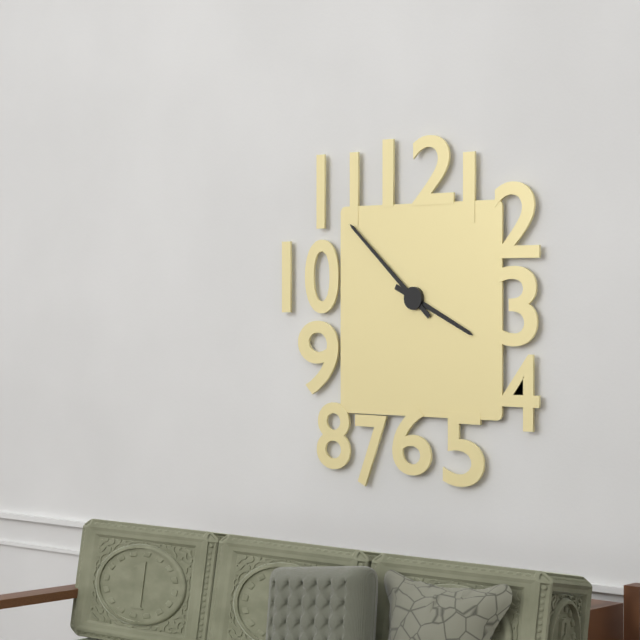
3:52
